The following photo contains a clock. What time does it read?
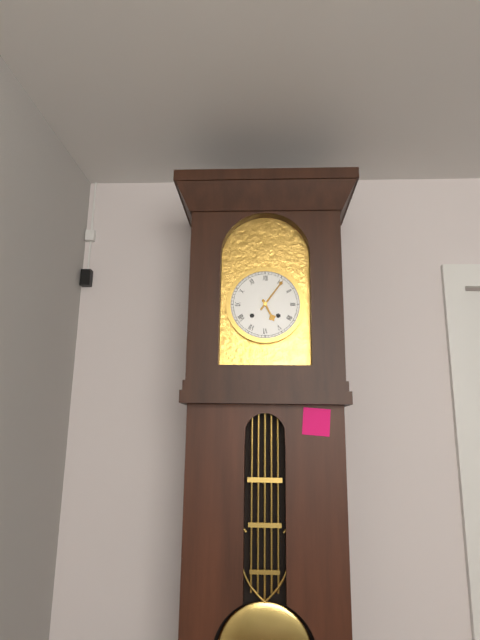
5:06
